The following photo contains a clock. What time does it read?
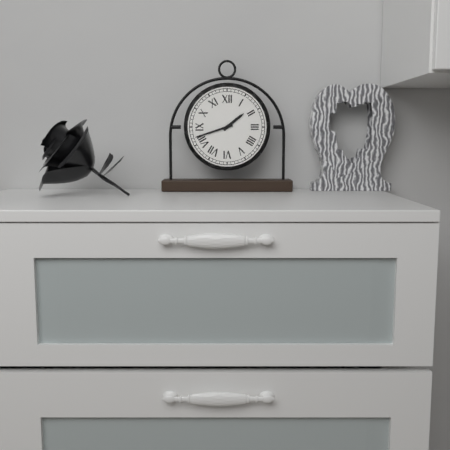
1:42
